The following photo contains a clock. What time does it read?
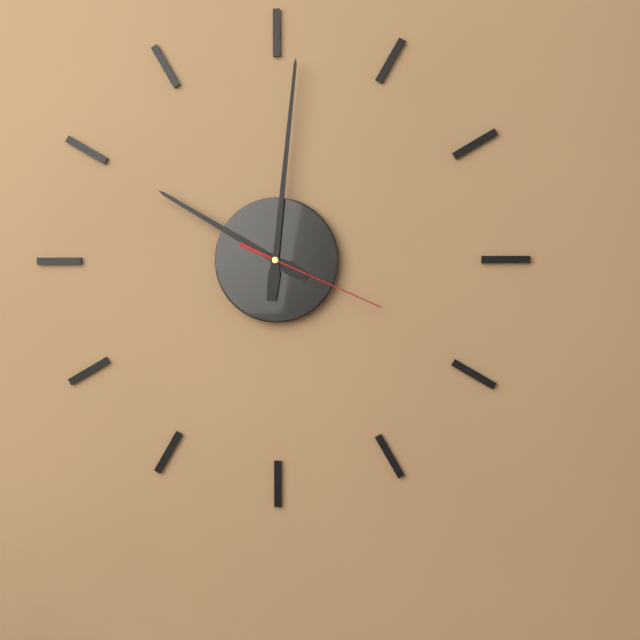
10:01:19
